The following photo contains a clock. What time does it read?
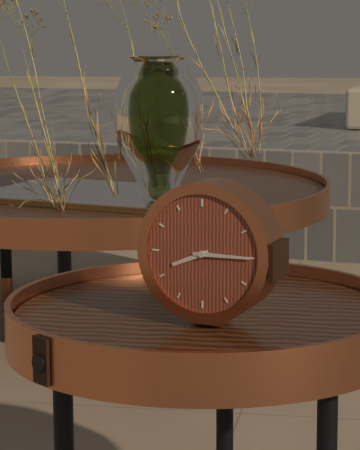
8:15
